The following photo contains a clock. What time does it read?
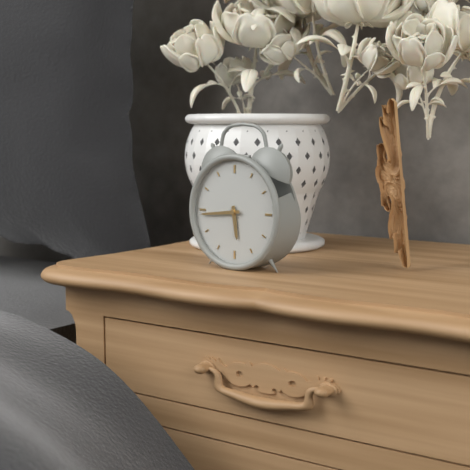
5:44
